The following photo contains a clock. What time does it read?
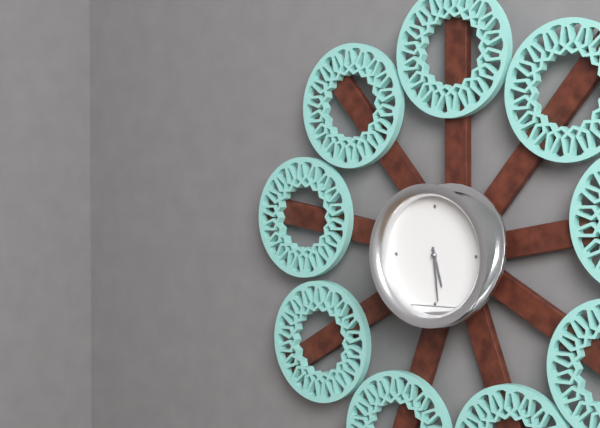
5:29
